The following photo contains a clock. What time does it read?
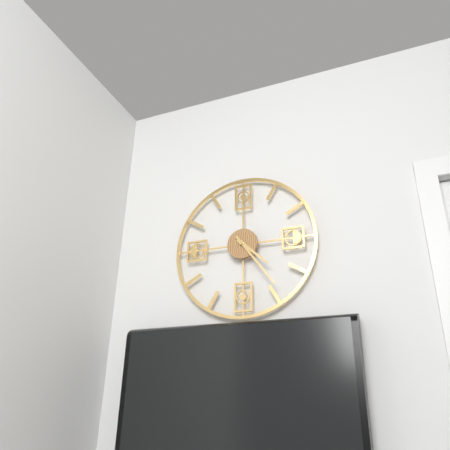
4:24
